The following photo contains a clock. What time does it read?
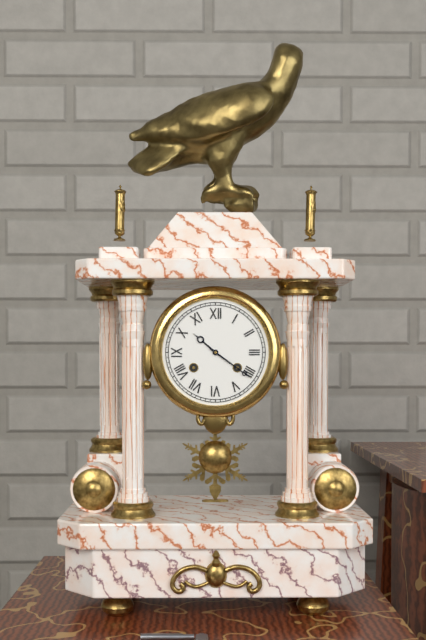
10:21
